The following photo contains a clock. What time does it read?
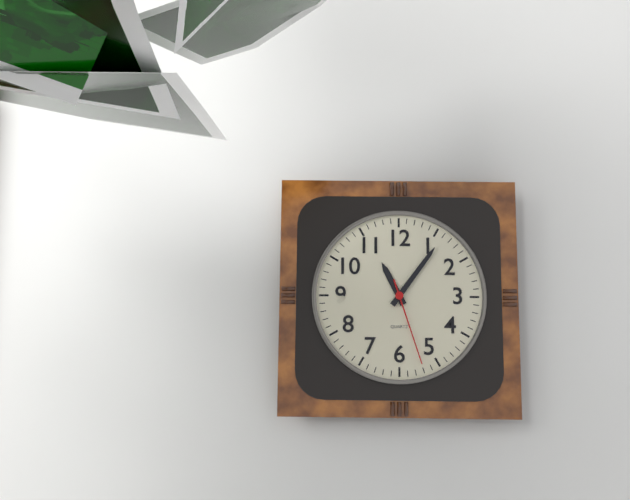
11:06:27
